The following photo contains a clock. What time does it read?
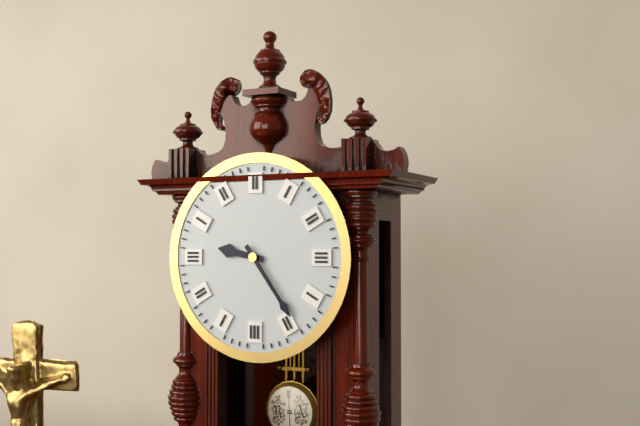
9:24
